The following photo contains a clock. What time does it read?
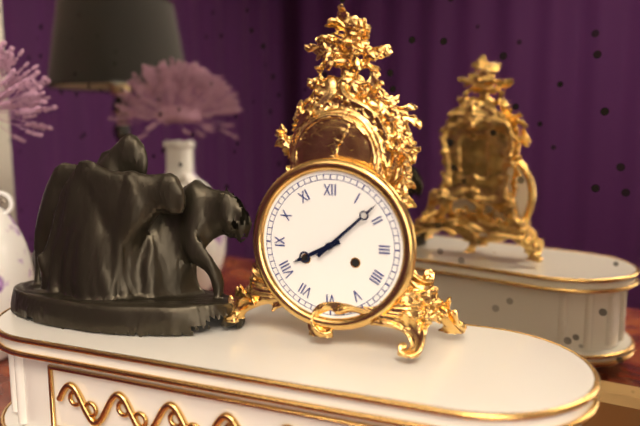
8:08
